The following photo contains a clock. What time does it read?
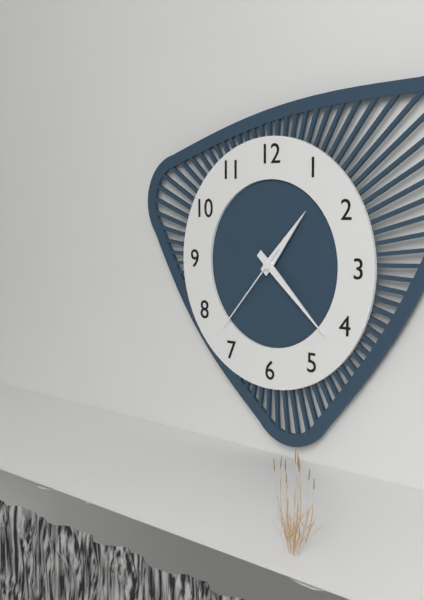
1:22:37
